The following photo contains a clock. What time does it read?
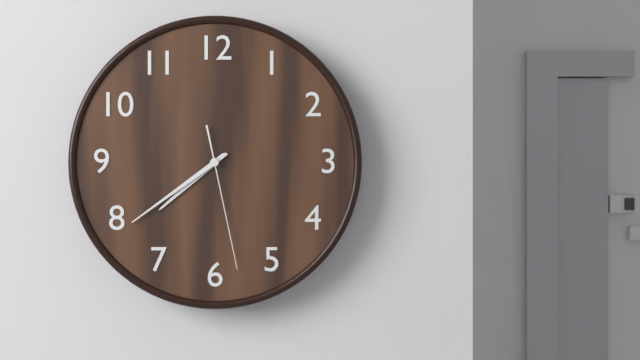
7:39:28
